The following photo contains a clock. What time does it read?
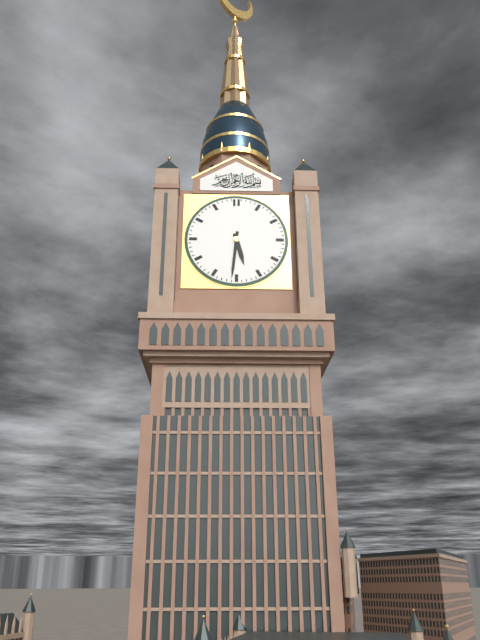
5:31
